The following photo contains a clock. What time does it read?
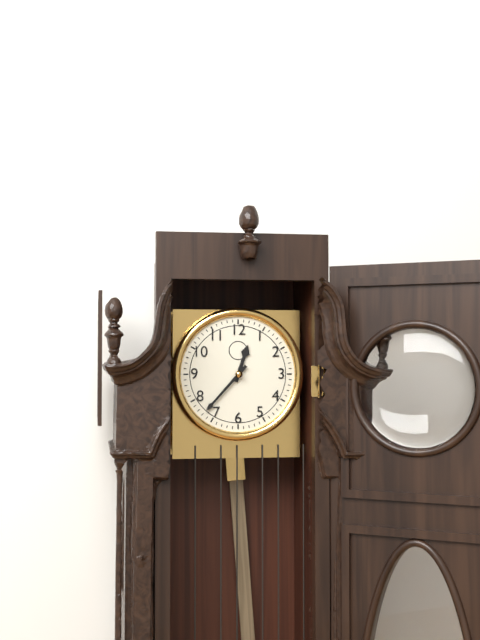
12:37
